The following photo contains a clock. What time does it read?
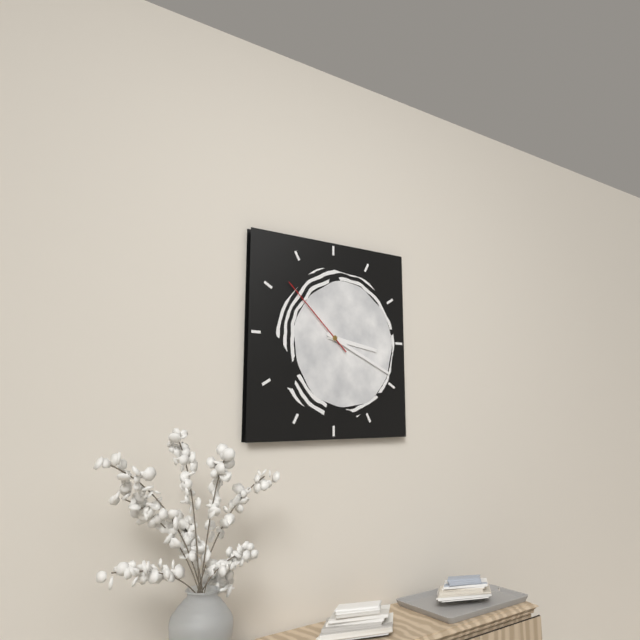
3:19:52
